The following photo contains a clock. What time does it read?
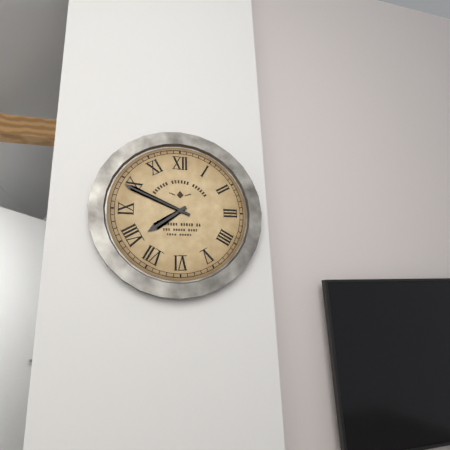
7:49
